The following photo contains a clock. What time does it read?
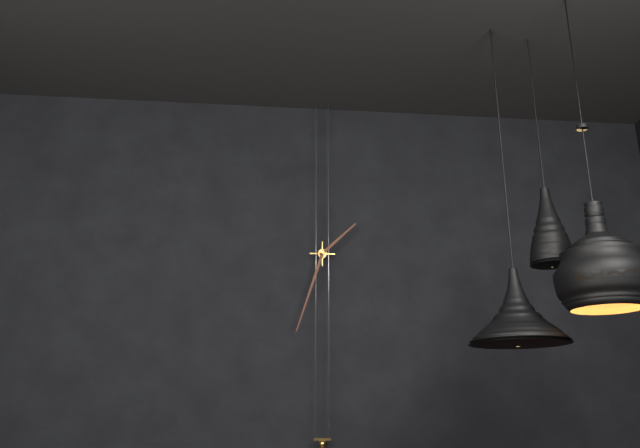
1:33
